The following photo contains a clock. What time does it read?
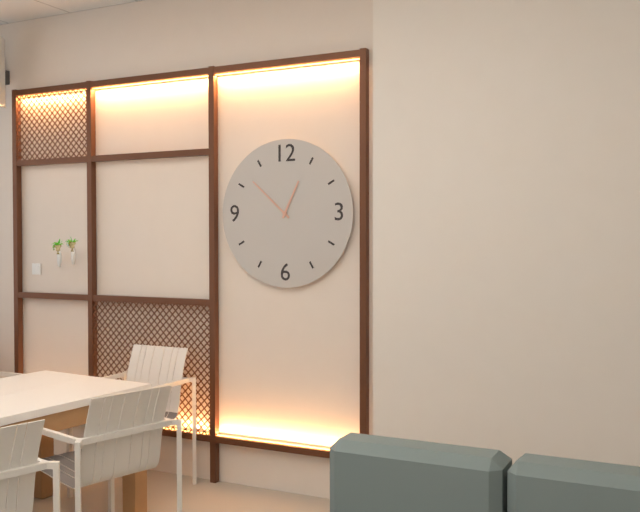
12:52
